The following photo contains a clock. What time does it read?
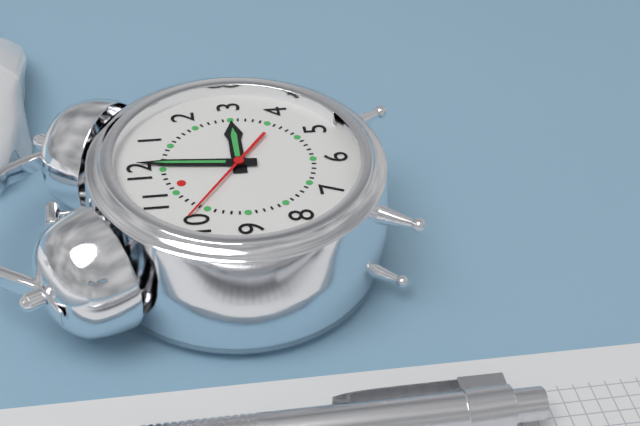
3:01:51
